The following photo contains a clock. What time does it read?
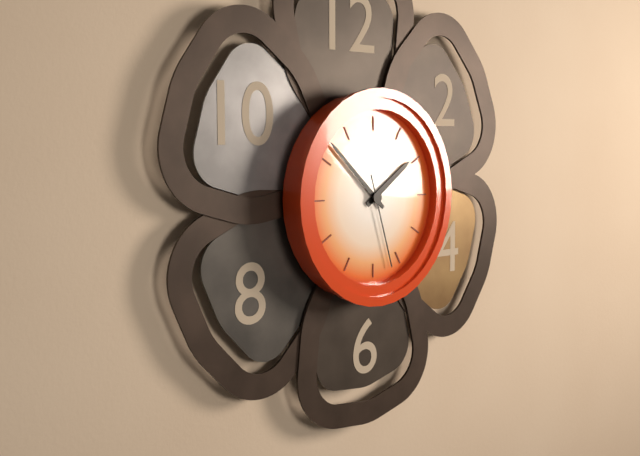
1:52:27
